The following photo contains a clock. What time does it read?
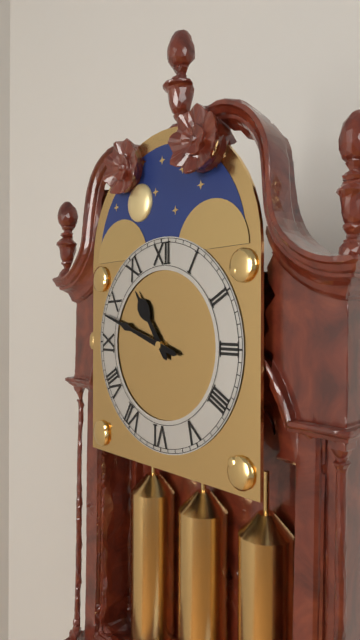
10:48
